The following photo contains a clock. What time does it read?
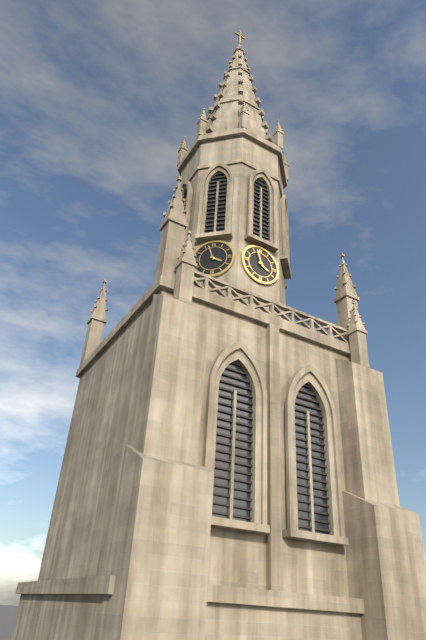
3:57
